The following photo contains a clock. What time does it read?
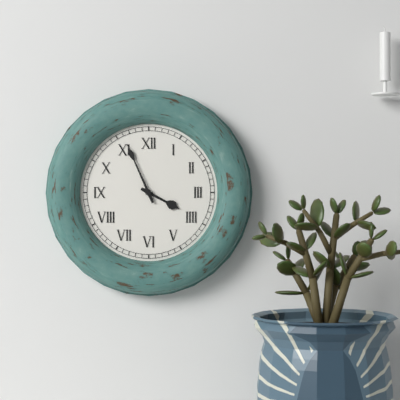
3:56
